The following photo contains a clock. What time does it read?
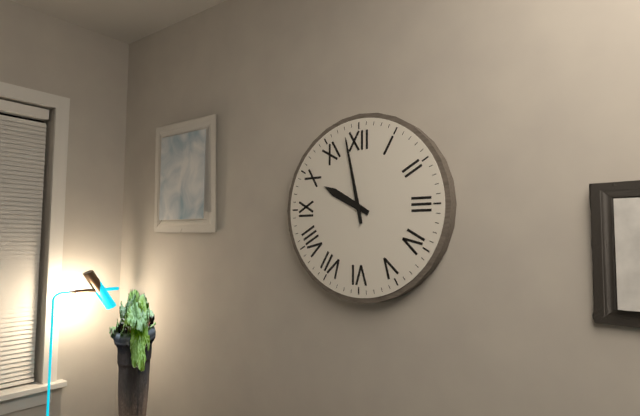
9:58
